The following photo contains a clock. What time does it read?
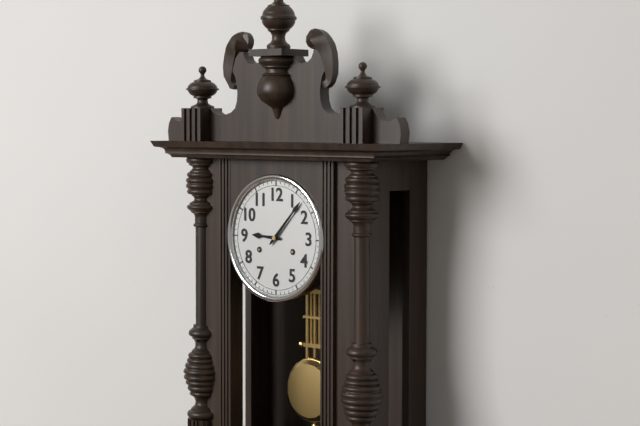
9:07
